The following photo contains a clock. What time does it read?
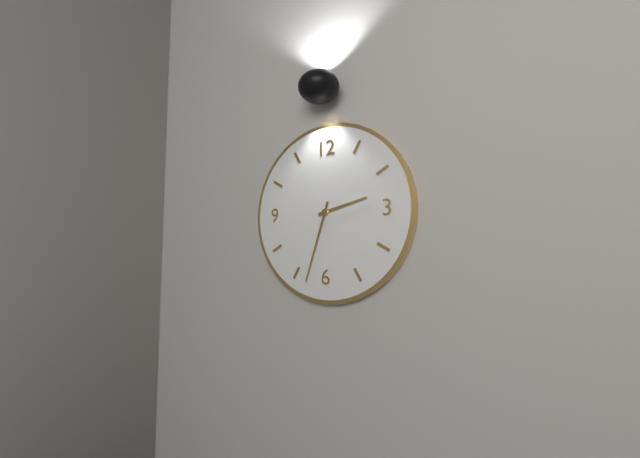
2:33
